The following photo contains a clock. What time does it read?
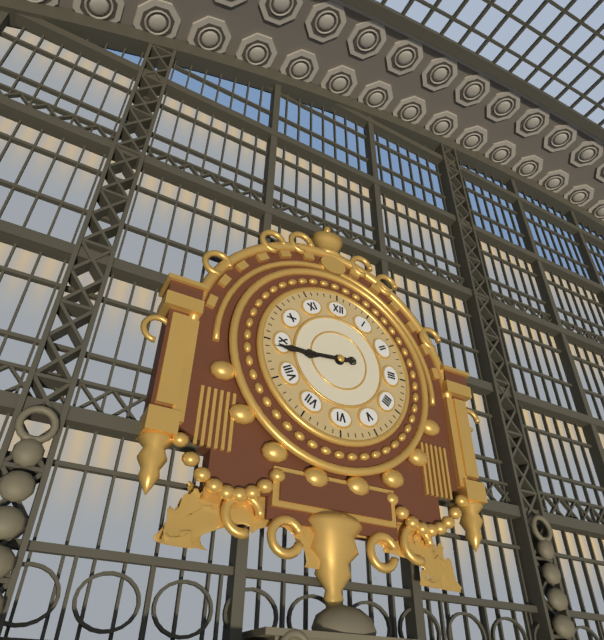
8:44
